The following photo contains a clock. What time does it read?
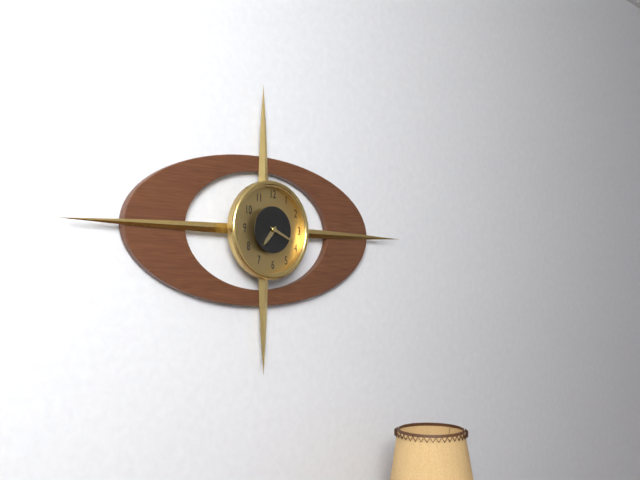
7:19
